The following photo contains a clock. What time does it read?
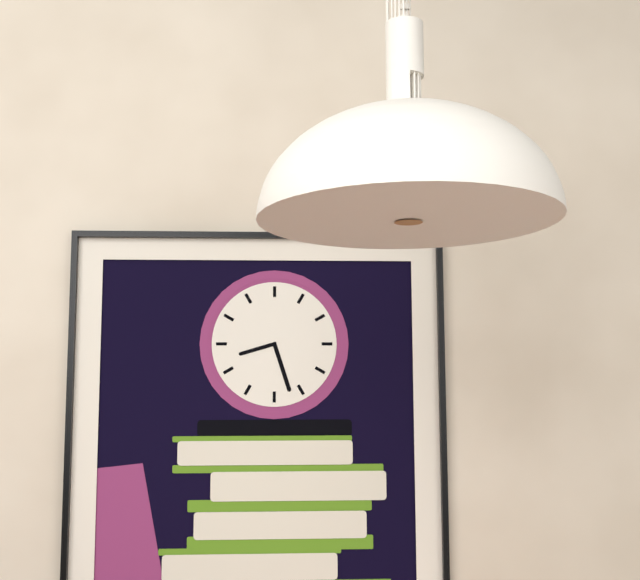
8:27
